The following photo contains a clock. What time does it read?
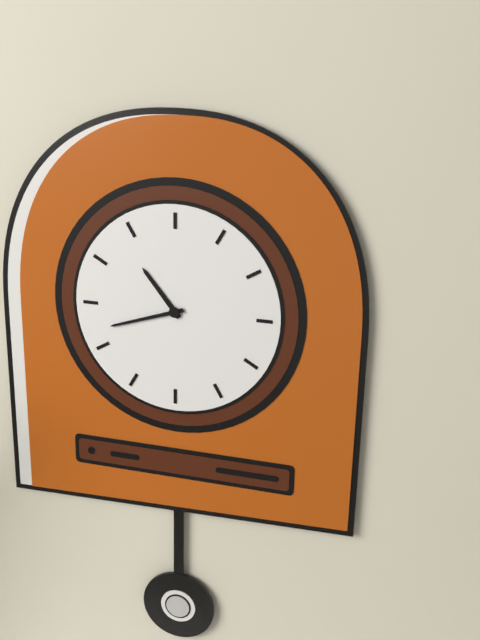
10:42
